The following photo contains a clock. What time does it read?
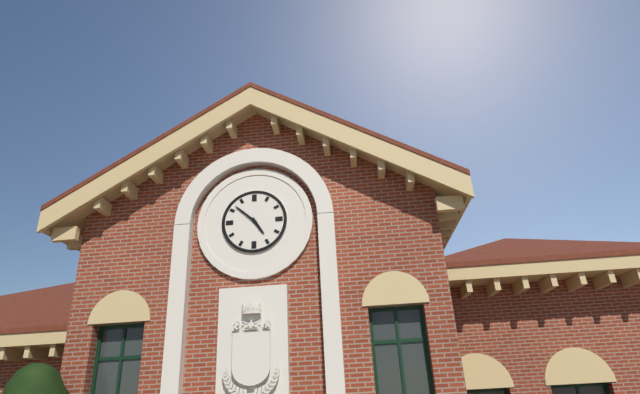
4:52
